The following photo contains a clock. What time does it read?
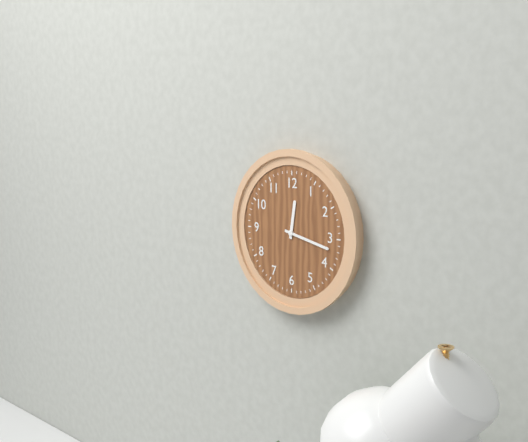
12:17
